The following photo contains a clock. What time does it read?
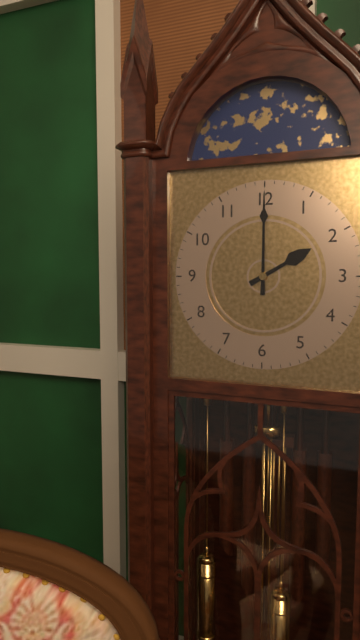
2:00
